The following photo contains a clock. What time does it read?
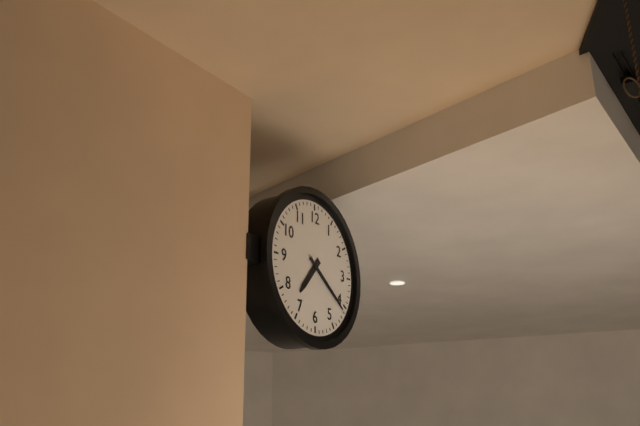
7:21
